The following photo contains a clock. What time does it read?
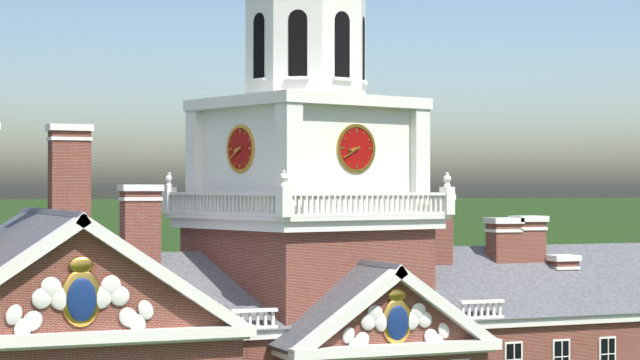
8:40
